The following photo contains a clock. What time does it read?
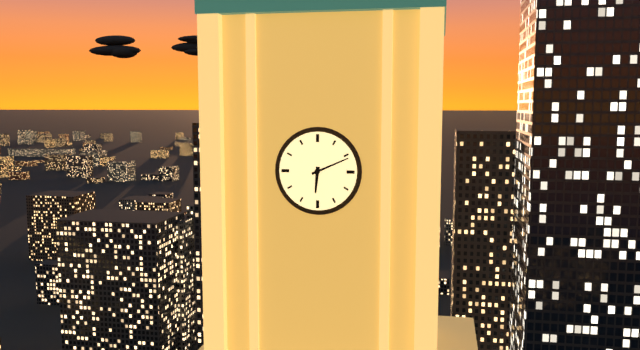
6:11
